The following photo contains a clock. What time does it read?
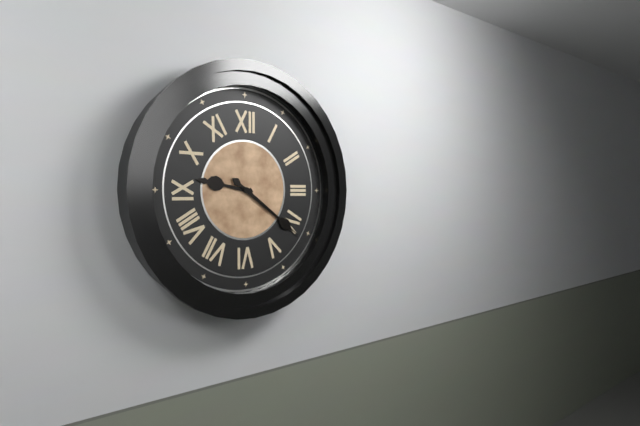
9:21
